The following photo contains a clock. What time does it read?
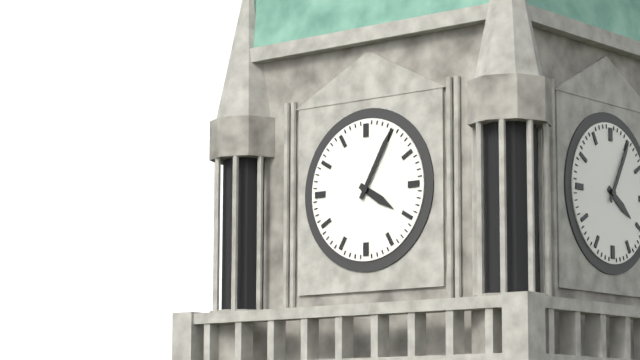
4:05
